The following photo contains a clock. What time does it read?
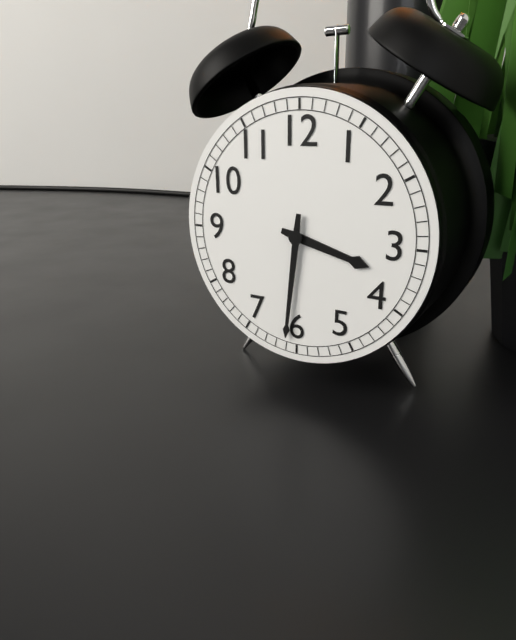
3:31
